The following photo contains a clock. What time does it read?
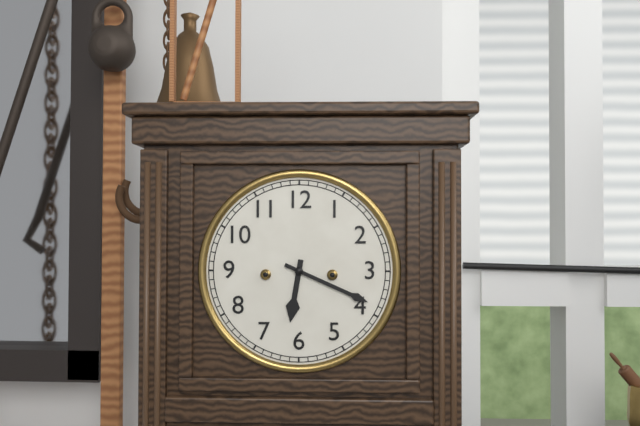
6:19
